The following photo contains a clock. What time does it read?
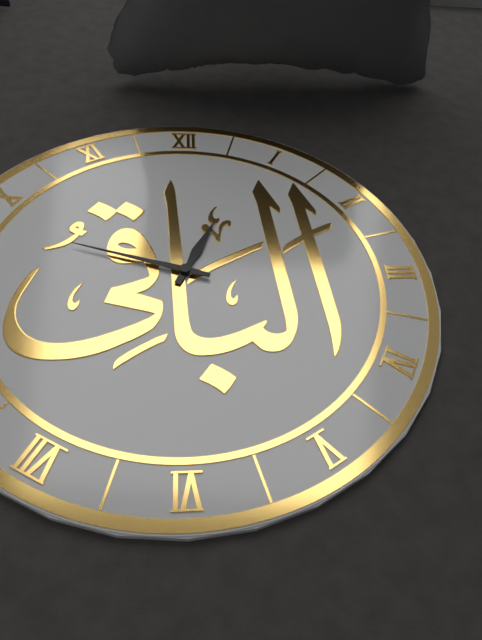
12:48
